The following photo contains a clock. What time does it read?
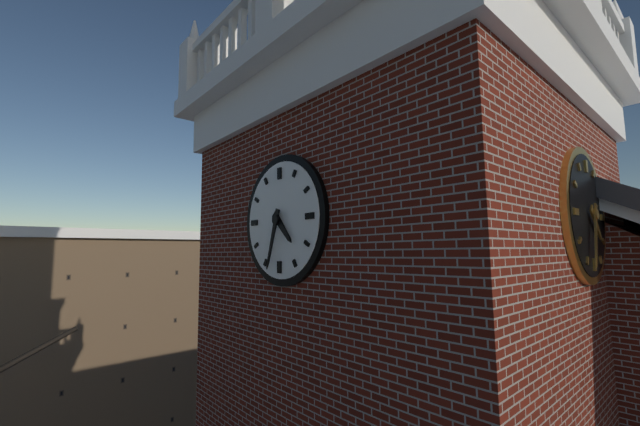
4:33
